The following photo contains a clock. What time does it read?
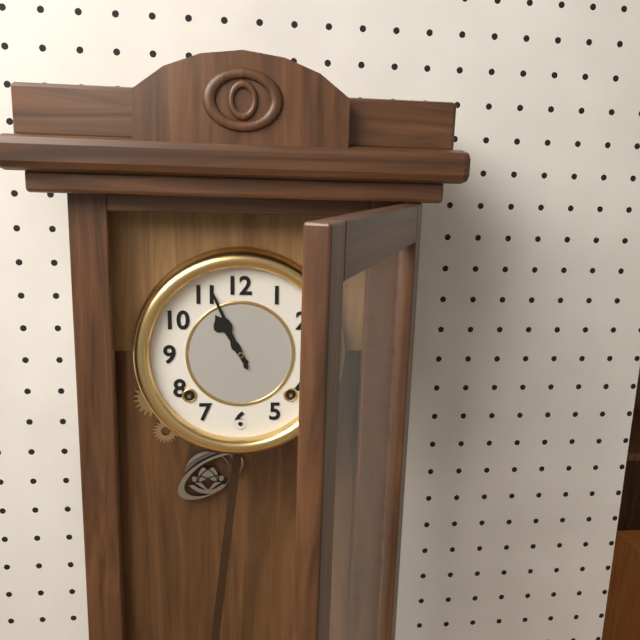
10:56
